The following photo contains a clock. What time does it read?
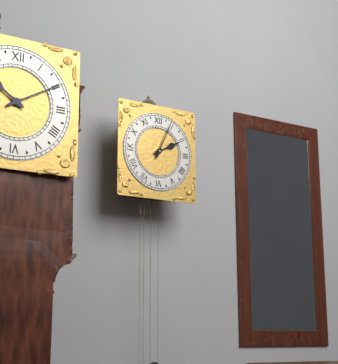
2:04
